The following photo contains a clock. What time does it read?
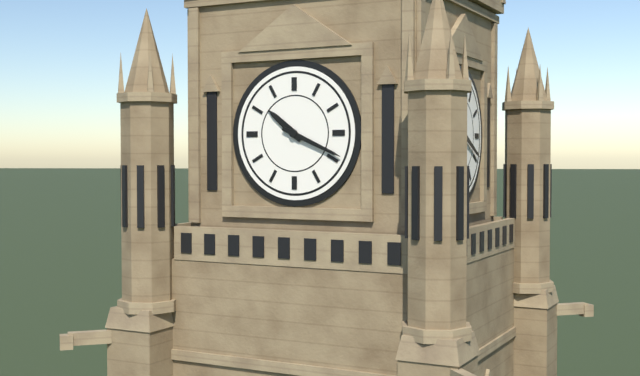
10:19
